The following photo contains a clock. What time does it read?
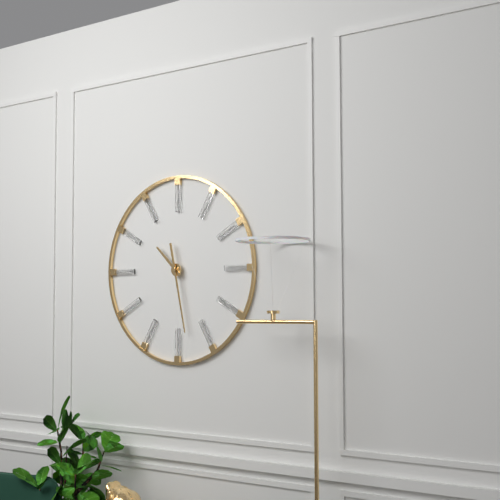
10:28
